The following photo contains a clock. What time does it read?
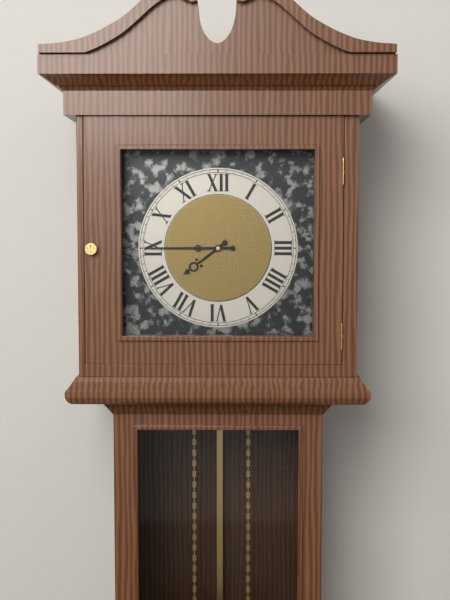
7:45
